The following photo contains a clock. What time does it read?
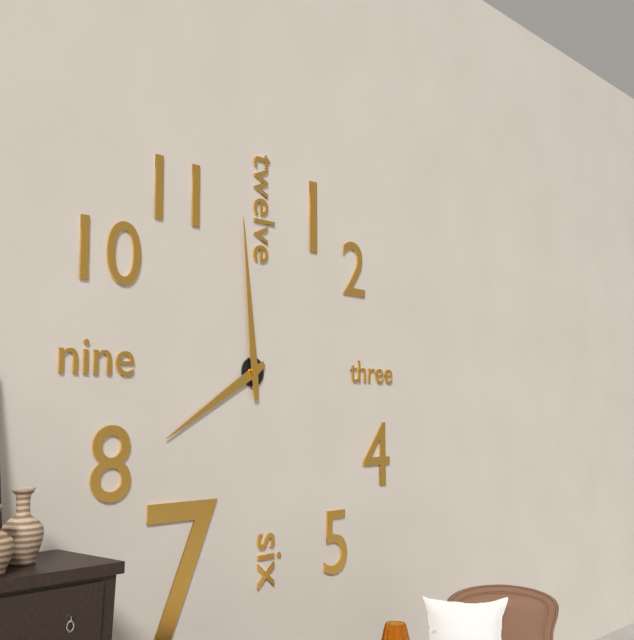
7:59
